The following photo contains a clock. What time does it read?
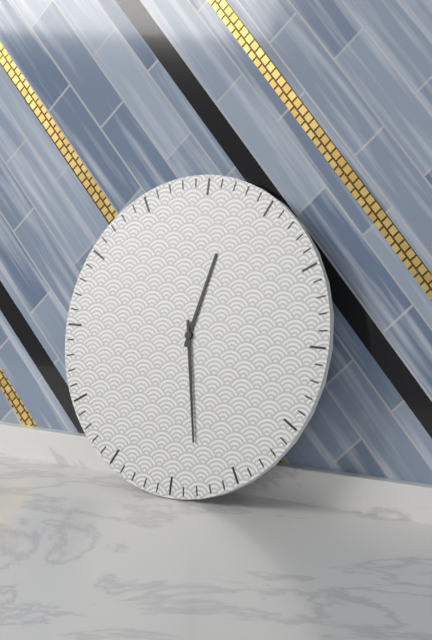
12:28
